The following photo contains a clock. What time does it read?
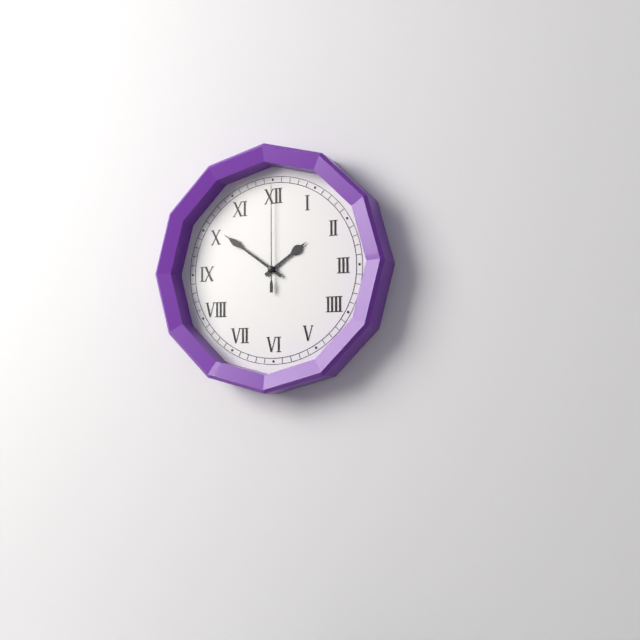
1:51:00
